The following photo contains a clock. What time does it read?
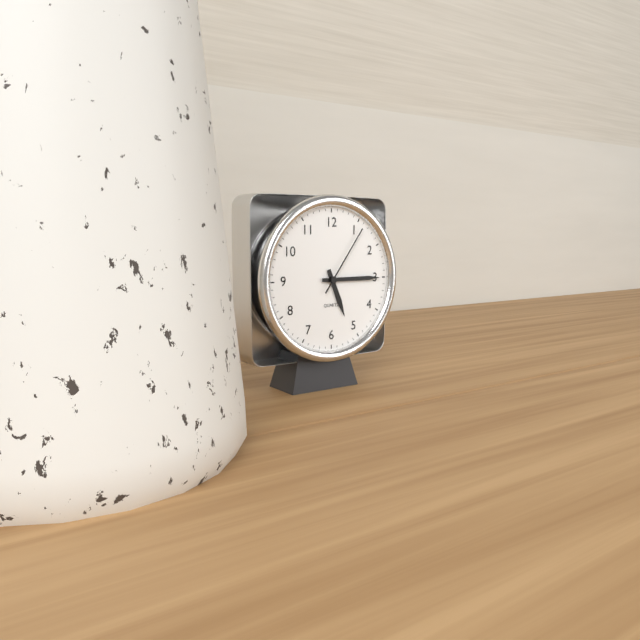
5:15:06
